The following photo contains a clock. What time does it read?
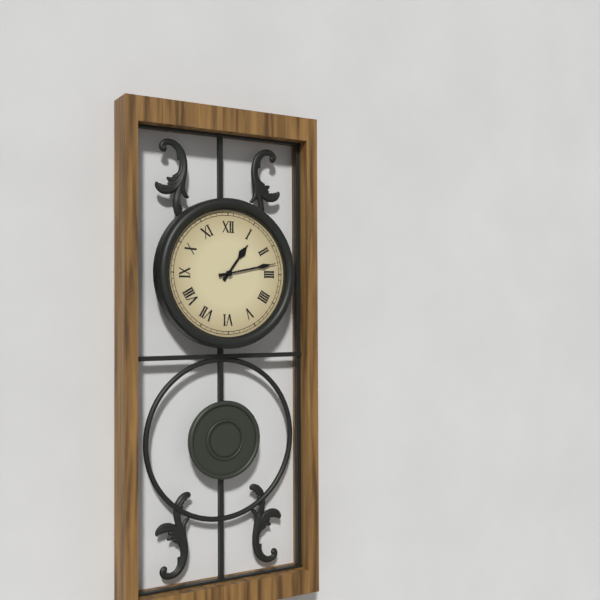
1:13
